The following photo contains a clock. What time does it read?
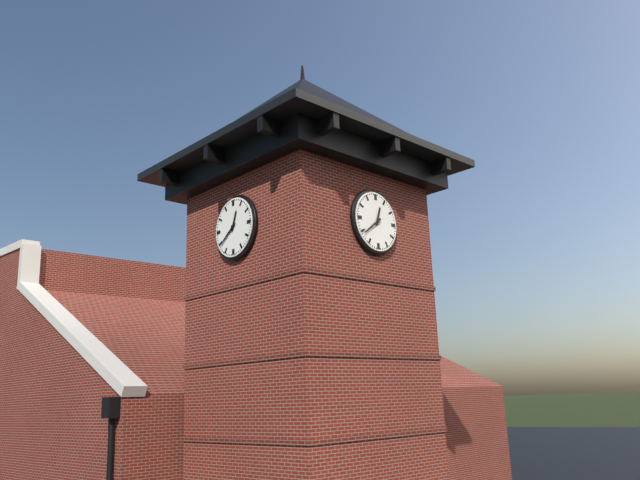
12:39
